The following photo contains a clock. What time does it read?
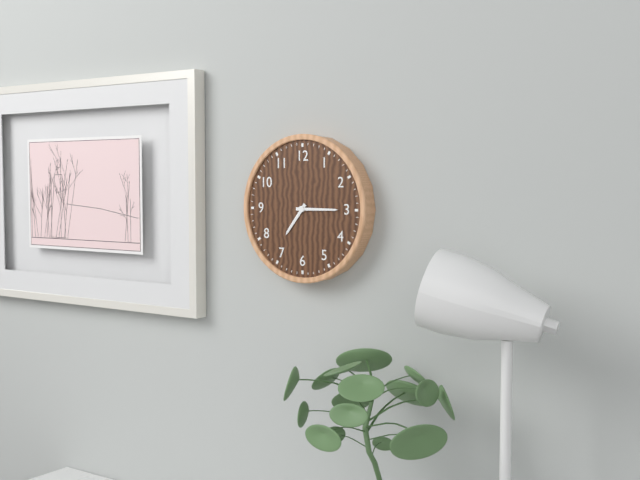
7:15
